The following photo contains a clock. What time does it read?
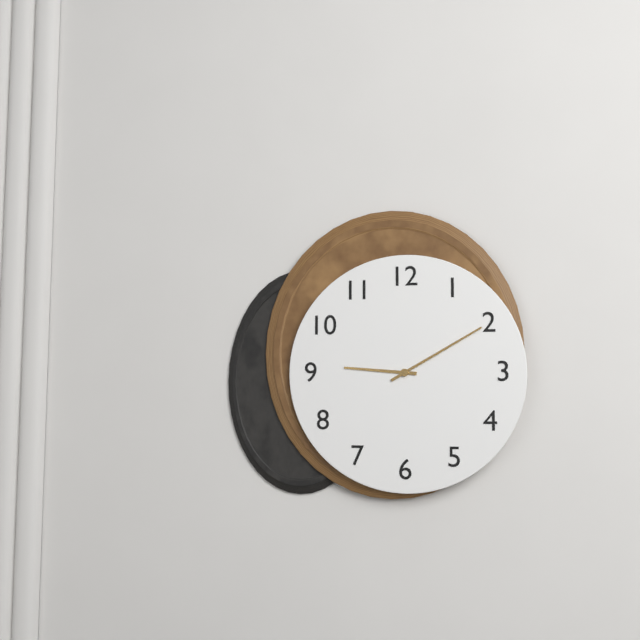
9:10
